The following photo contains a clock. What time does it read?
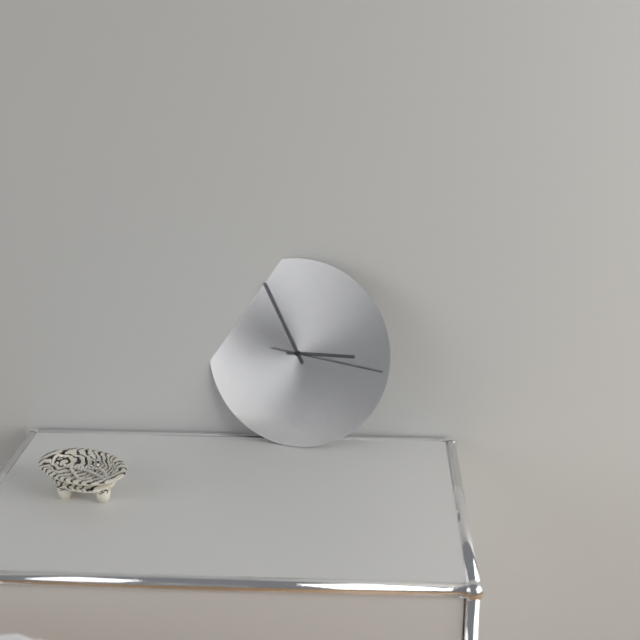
2:55:16
